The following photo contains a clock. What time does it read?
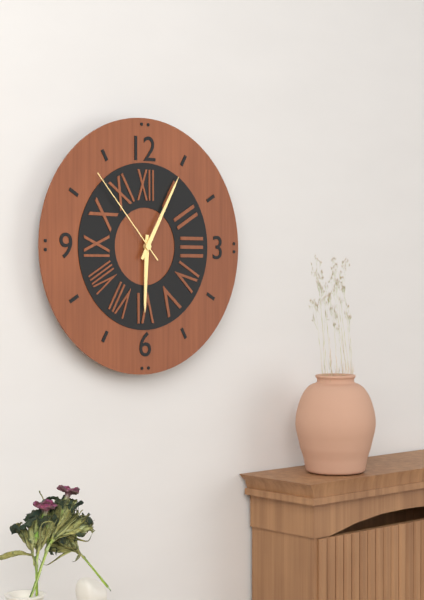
6:05:53
